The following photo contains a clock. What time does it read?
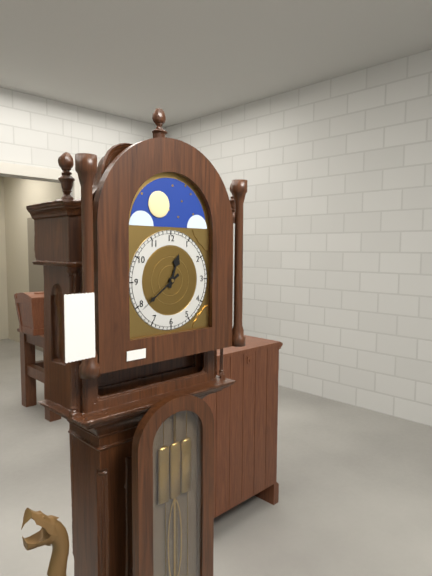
12:39
